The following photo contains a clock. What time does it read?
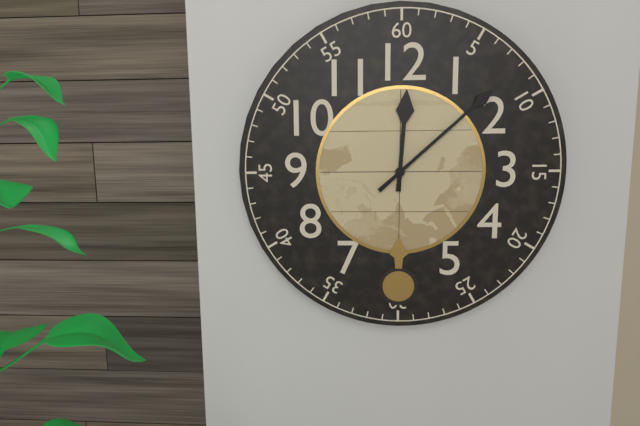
12:08
